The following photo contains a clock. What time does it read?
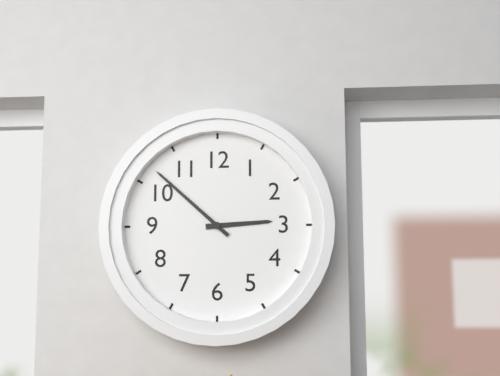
2:52
